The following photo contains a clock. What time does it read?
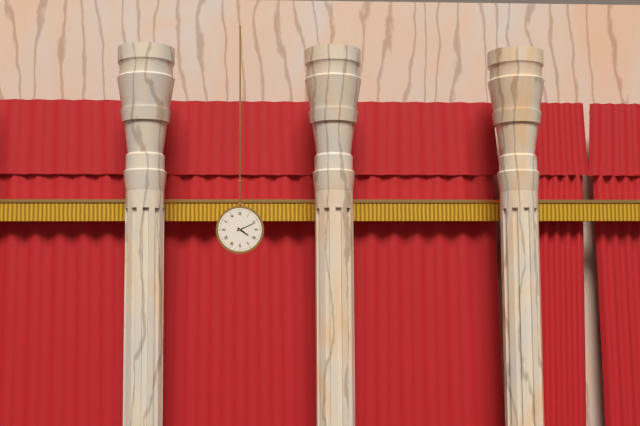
4:11
